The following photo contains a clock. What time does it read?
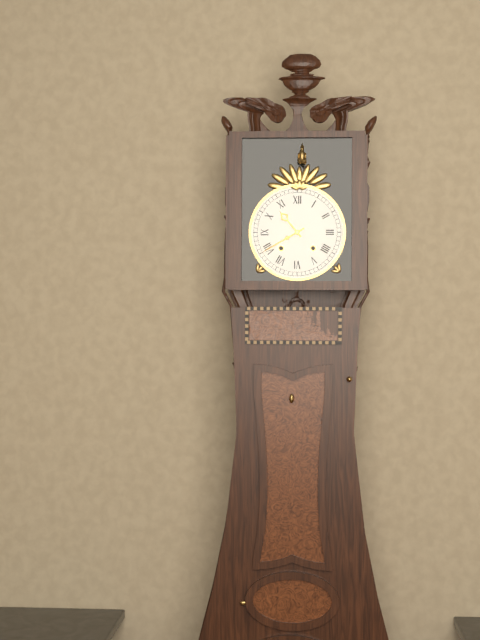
10:40
